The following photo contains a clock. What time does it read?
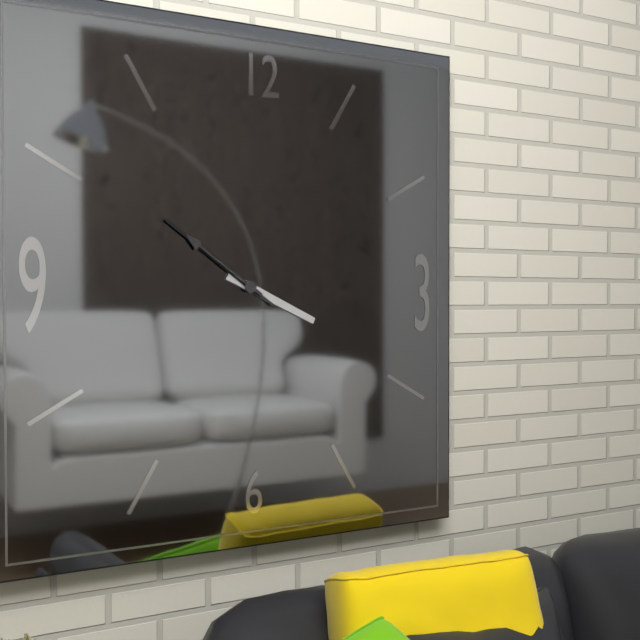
3:51:51
